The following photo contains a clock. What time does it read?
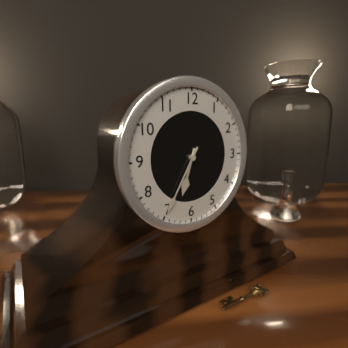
6:35
